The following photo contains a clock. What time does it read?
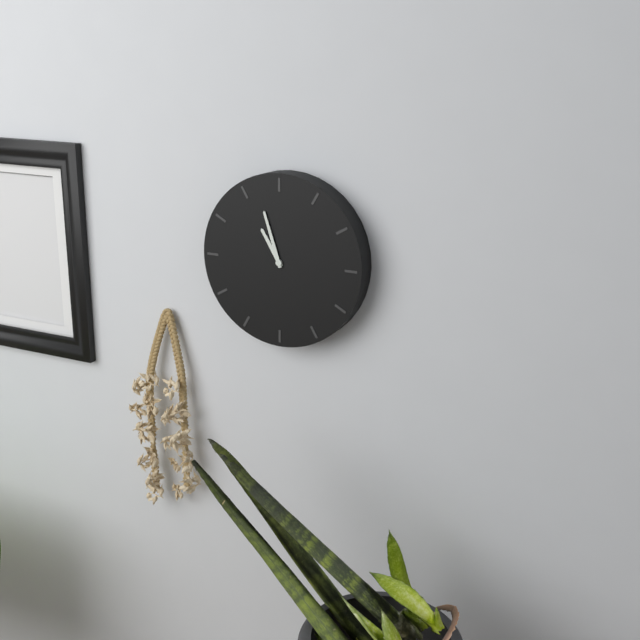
10:57
